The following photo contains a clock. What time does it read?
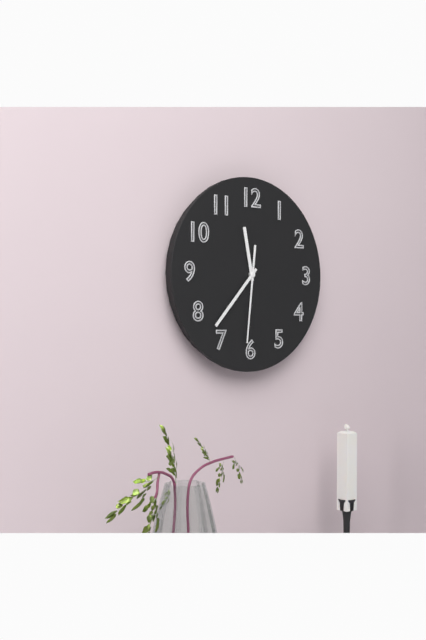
11:37:31
